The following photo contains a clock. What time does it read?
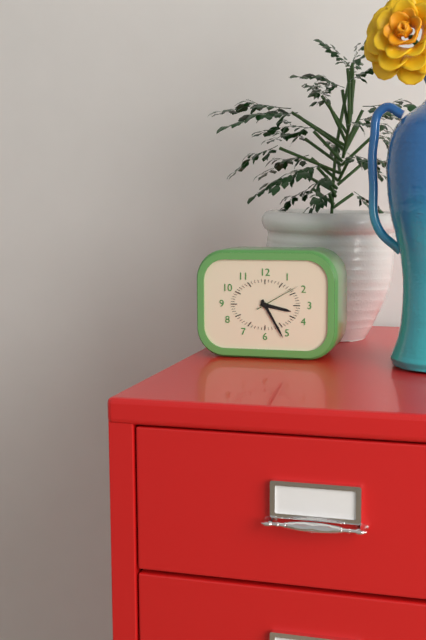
3:25
